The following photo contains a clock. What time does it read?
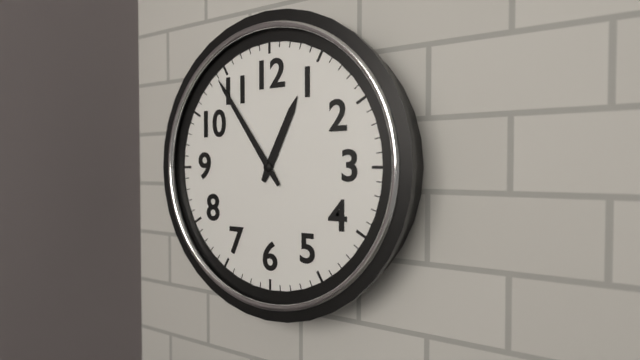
12:54
